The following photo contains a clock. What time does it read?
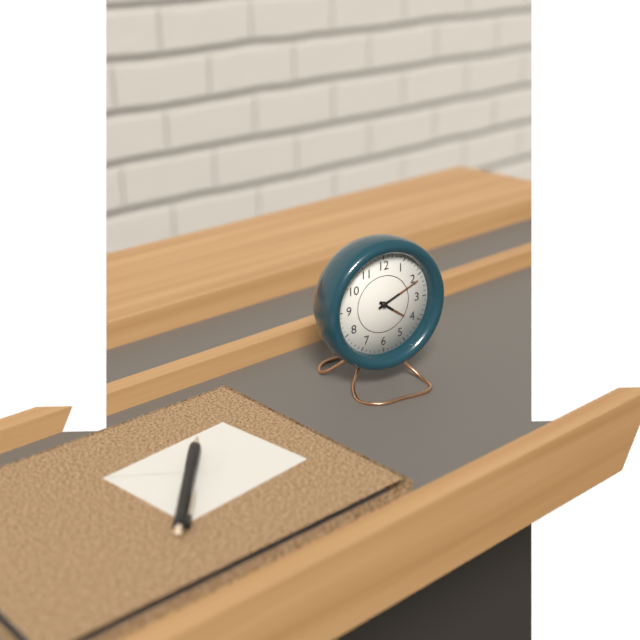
4:11
